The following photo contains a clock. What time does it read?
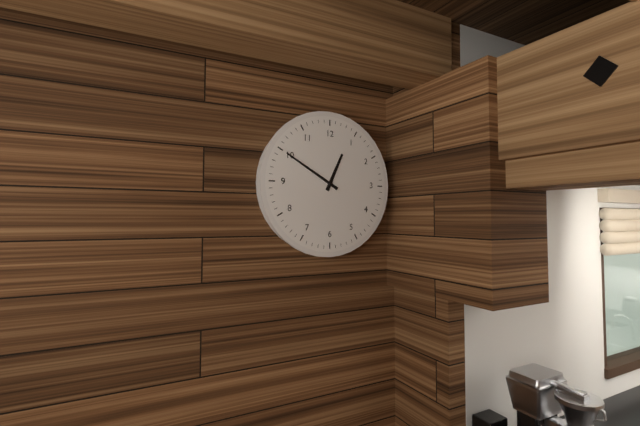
12:50
